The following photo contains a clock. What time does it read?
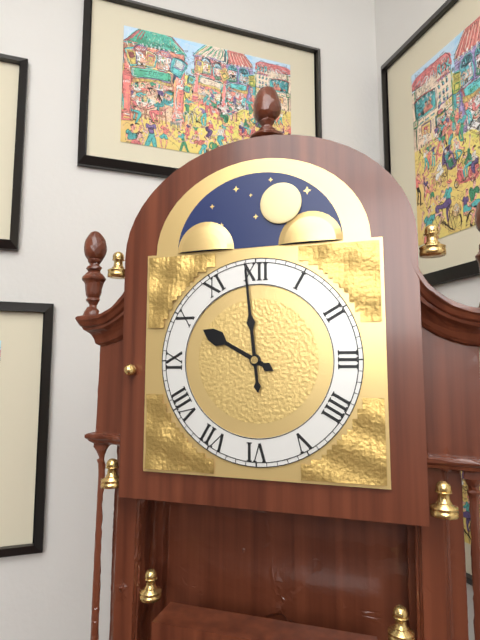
9:59
